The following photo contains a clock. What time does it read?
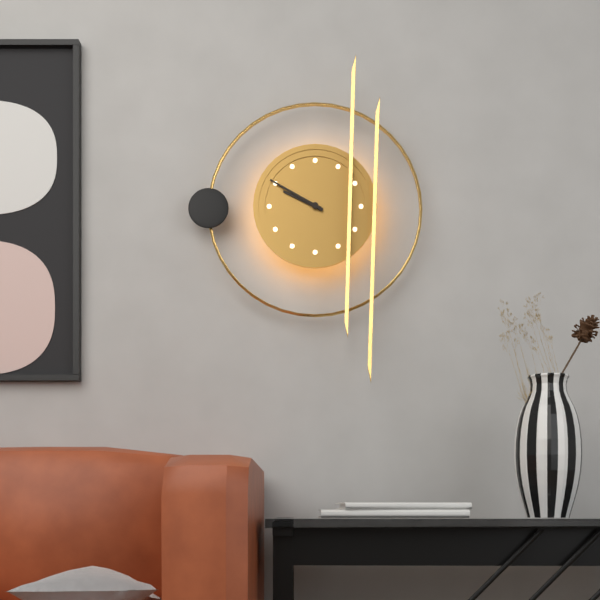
9:50
